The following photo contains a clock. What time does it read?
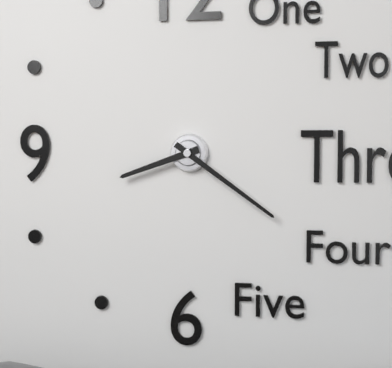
8:21
